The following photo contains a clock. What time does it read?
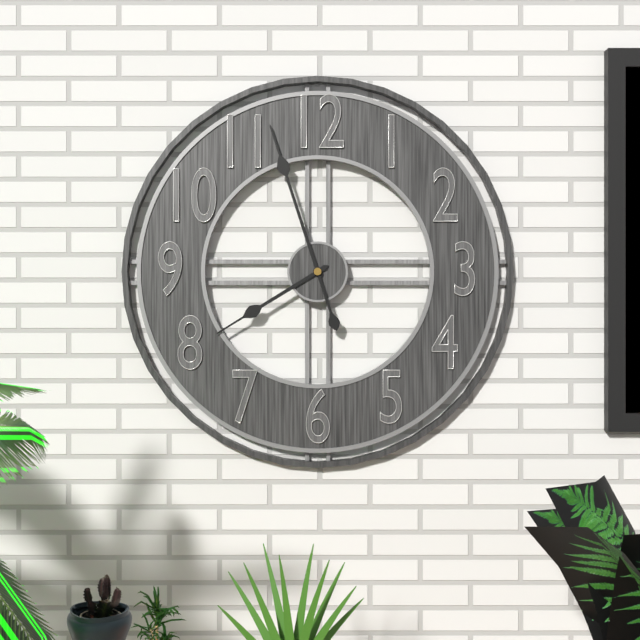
7:57
